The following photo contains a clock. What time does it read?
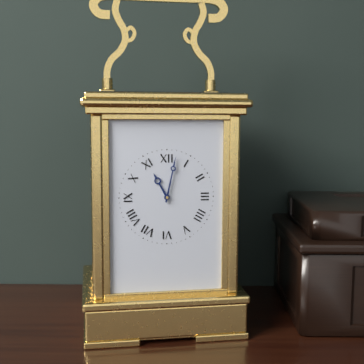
11:02
